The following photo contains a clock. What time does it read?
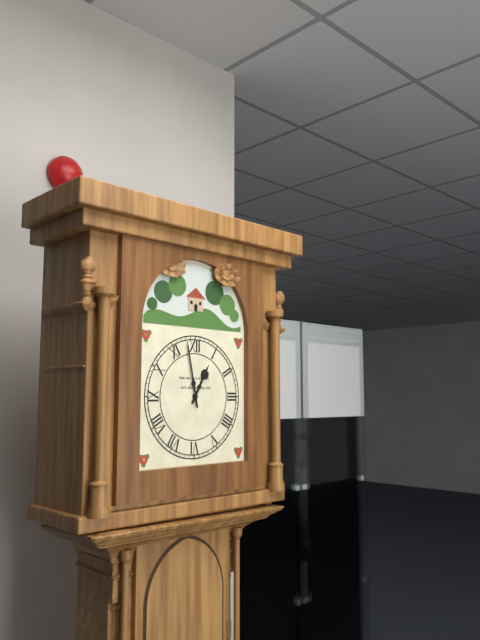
12:58
